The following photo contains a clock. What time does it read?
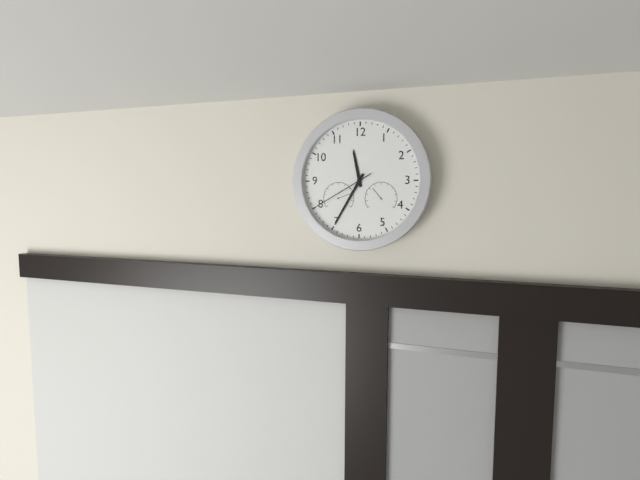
11:35:40
